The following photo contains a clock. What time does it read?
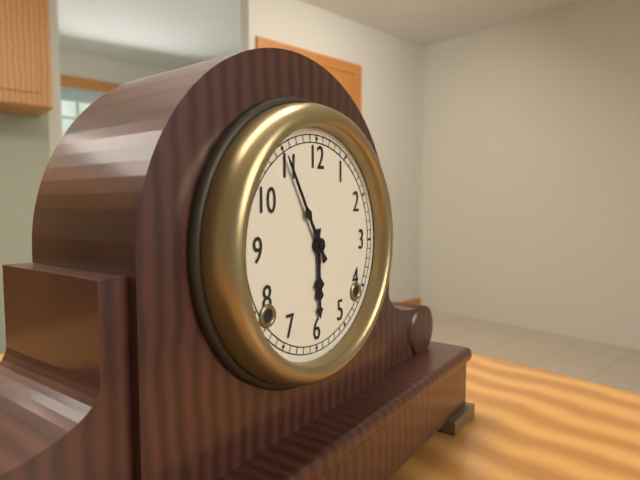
5:55
